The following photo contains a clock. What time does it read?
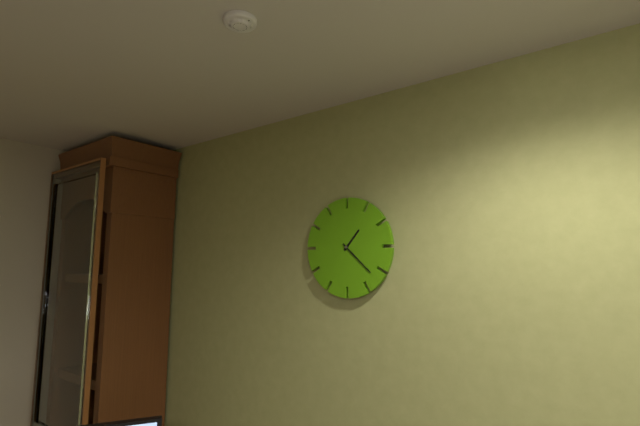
1:22
